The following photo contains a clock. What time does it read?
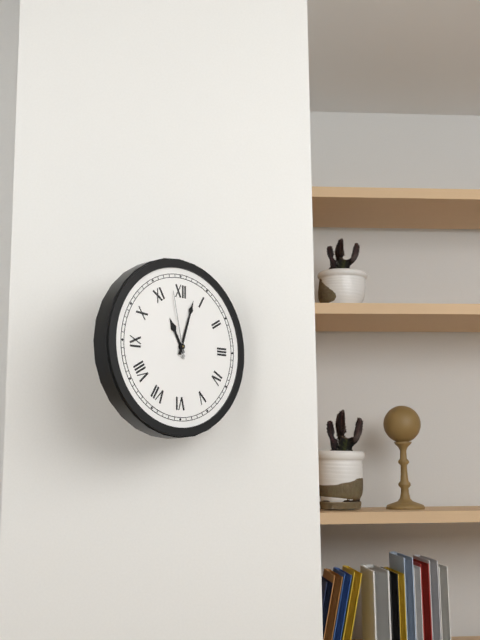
11:03:58
